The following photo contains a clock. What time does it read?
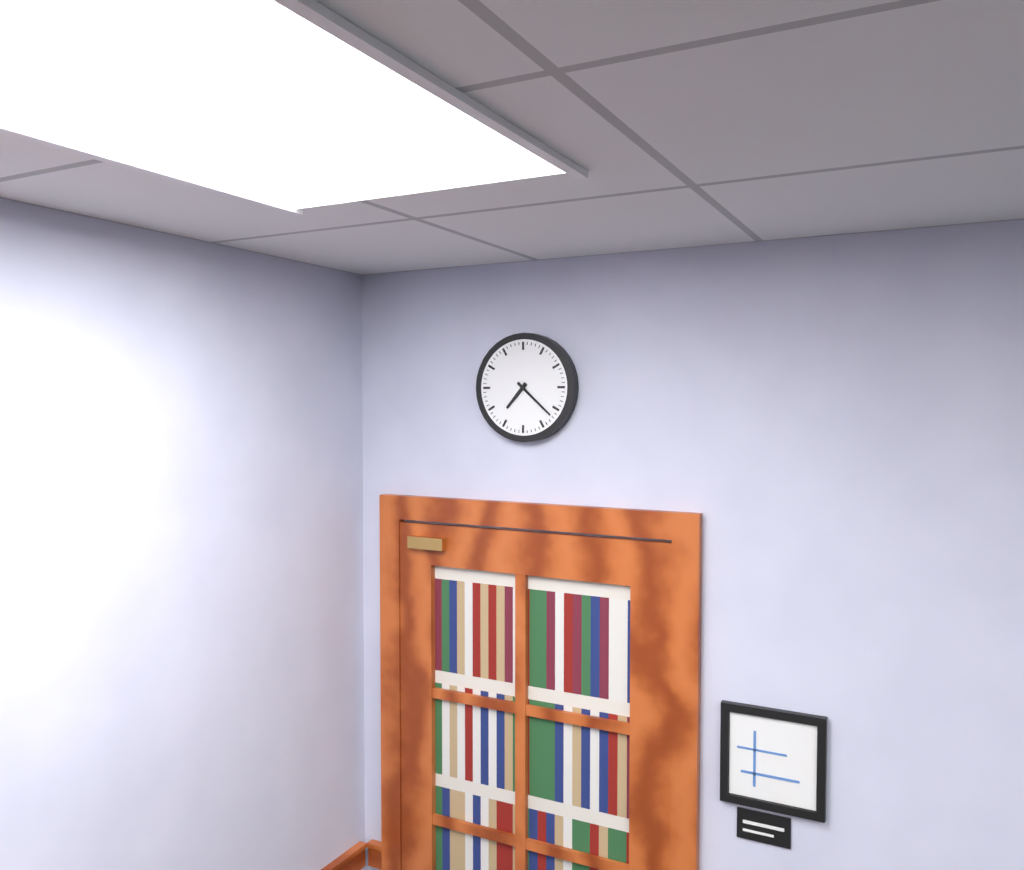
7:22
